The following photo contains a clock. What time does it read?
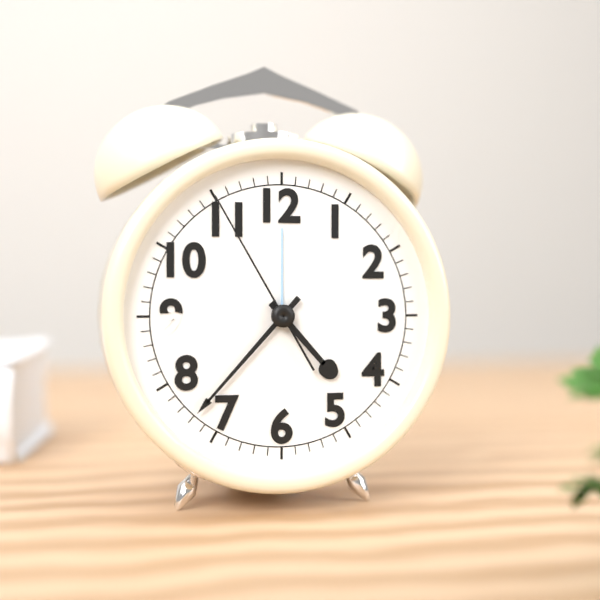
4:37:55
